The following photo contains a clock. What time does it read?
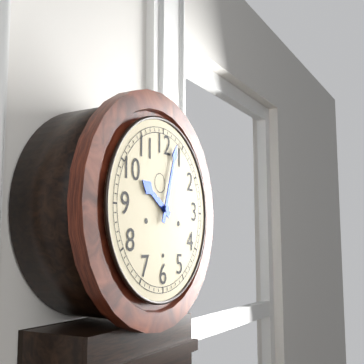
10:03
